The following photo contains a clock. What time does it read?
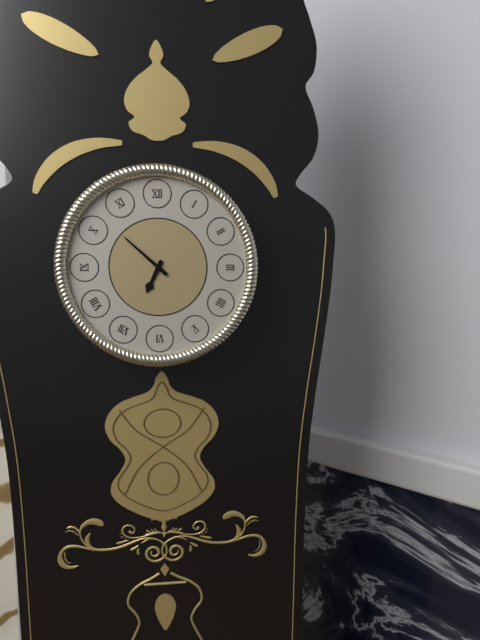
6:52
